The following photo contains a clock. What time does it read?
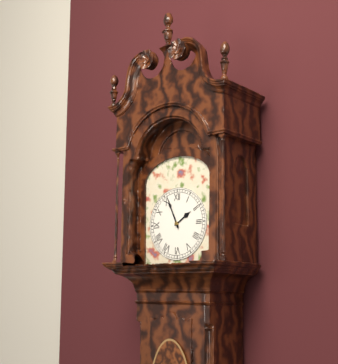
1:56
